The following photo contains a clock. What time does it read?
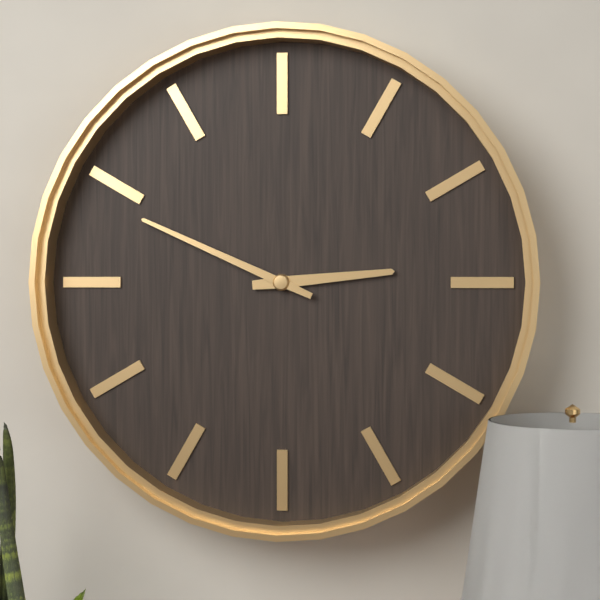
2:49
